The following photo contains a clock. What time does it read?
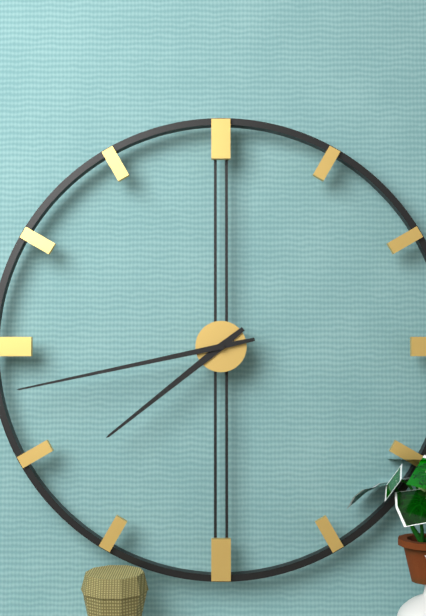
7:43
